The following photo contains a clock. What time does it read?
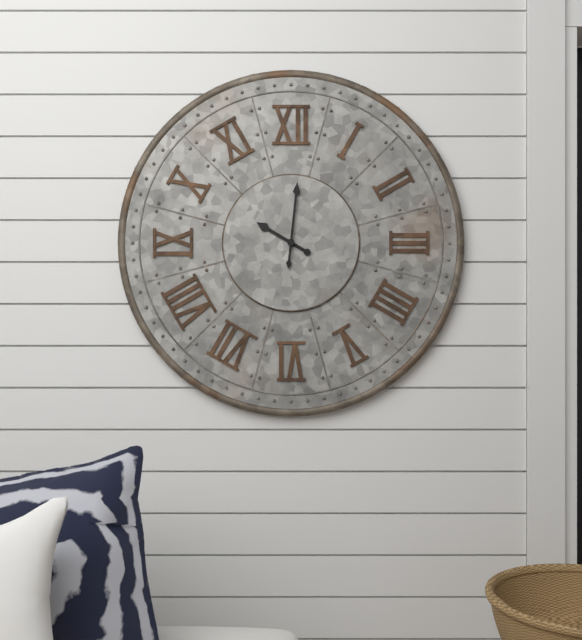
10:01
